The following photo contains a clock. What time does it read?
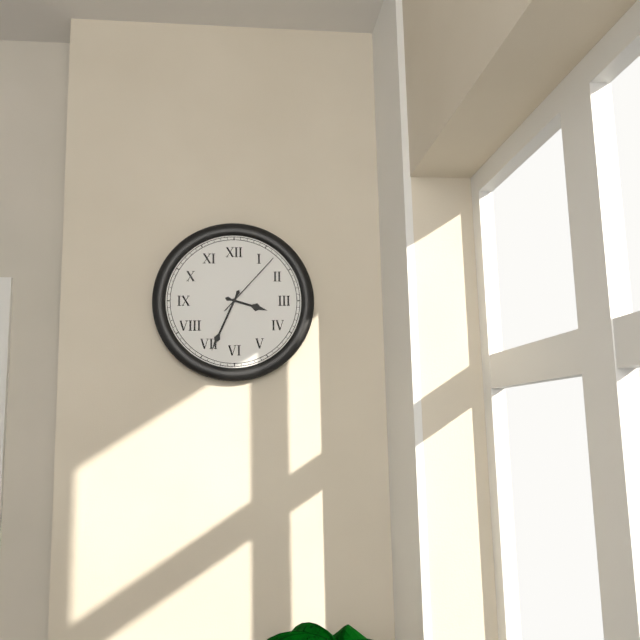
3:34:07
